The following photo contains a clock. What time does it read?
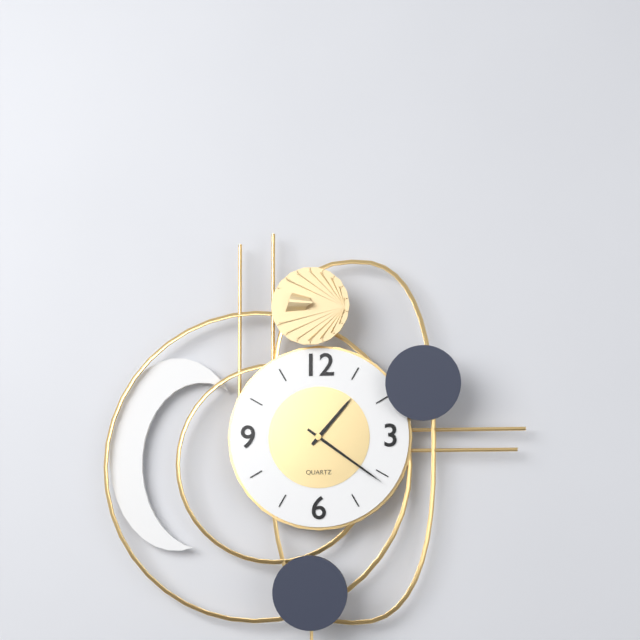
1:21
